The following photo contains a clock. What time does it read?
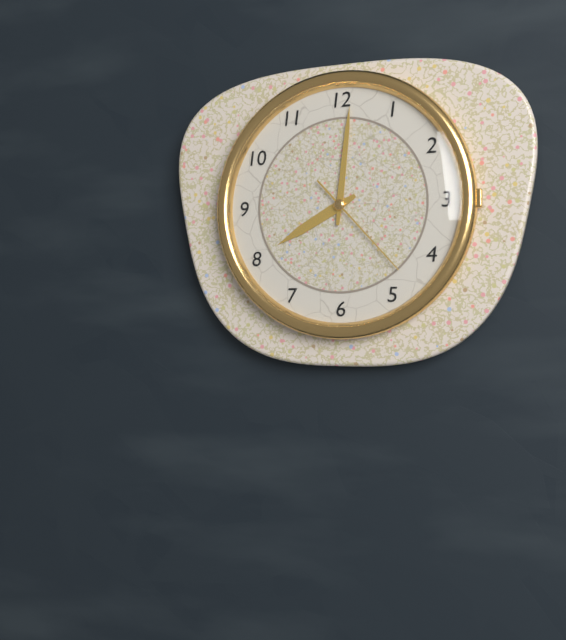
8:01:23
